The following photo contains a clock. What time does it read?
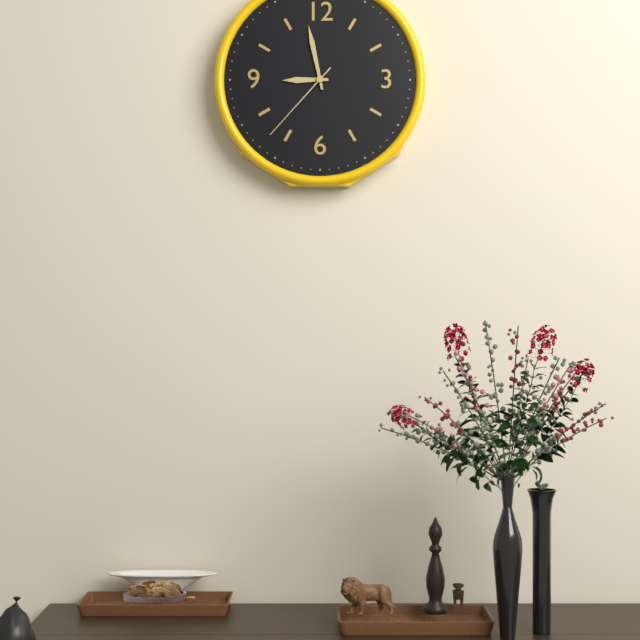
8:58:37
